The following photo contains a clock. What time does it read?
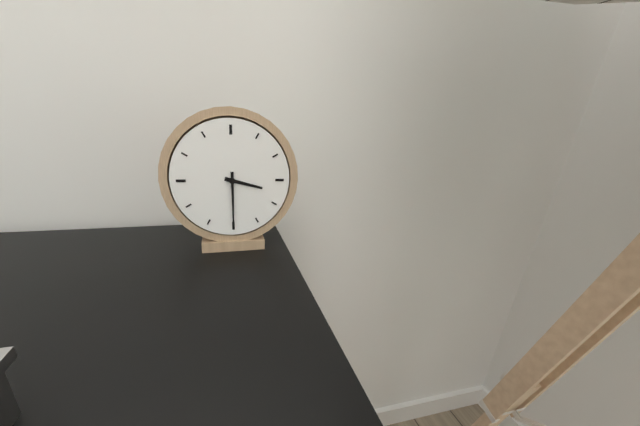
3:30
